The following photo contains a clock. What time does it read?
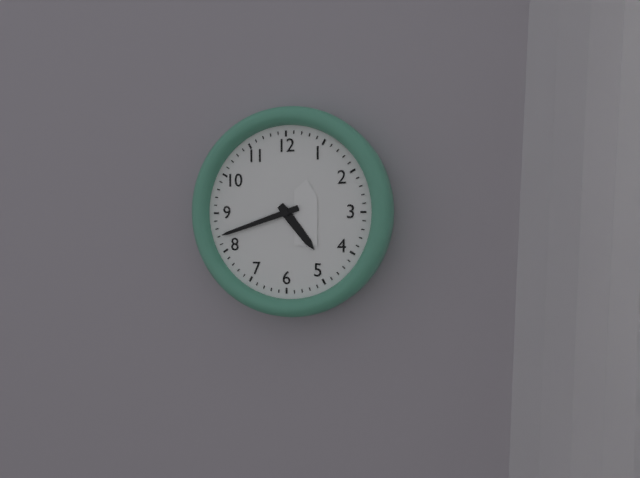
4:42
